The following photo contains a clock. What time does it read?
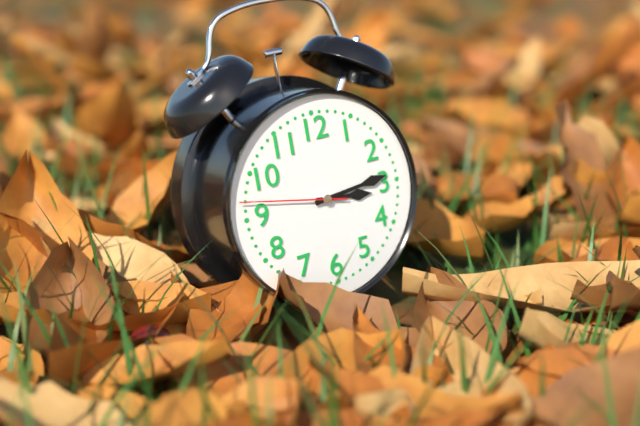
3:14:47
